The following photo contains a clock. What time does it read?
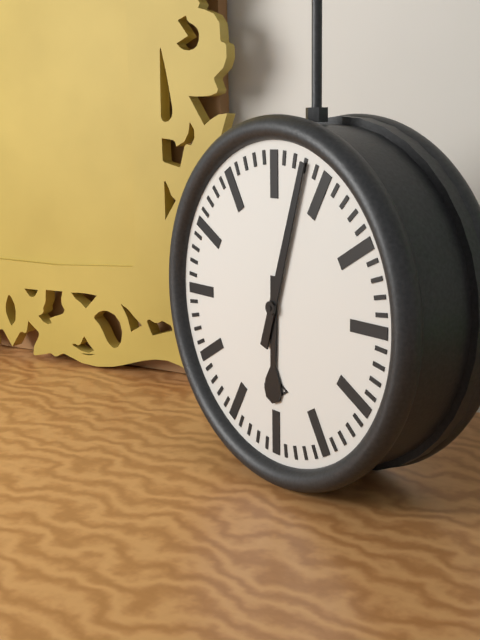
6:03
